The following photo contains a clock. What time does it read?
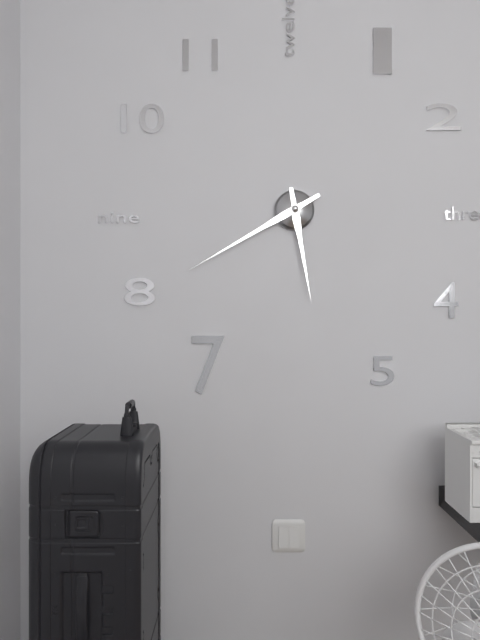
5:40
